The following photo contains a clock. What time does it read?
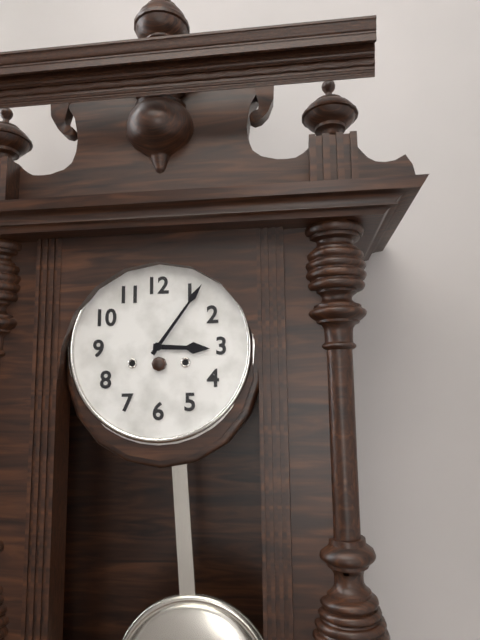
3:06
